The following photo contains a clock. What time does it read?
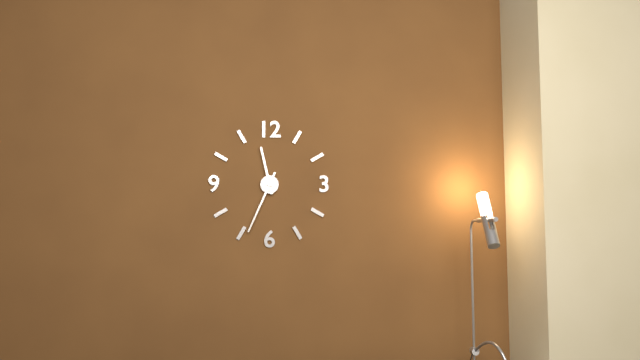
11:34
